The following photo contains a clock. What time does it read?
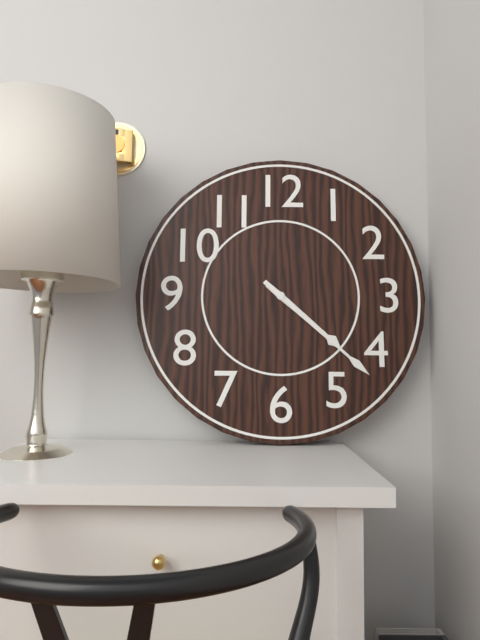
4:22
